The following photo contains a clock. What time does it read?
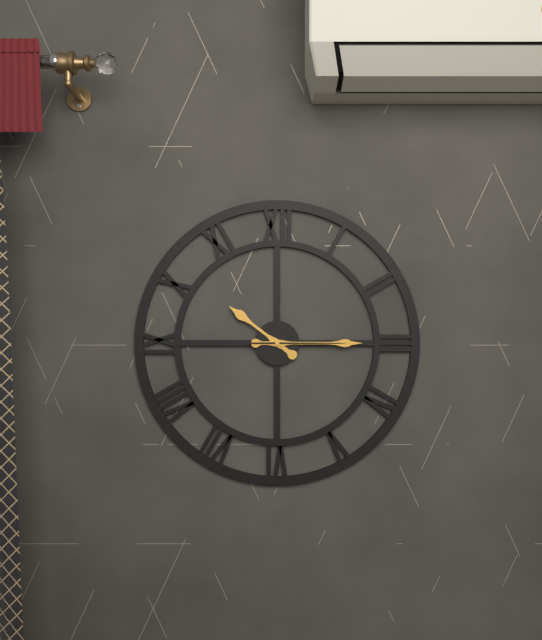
10:15:15
